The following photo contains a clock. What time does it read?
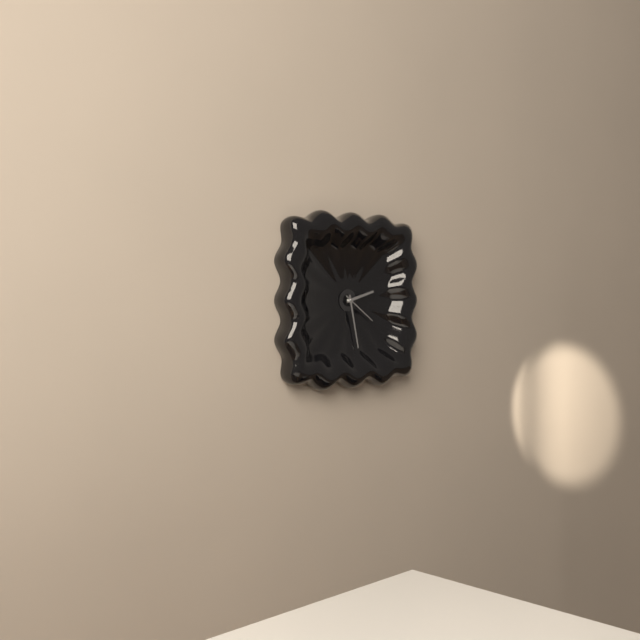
2:28
